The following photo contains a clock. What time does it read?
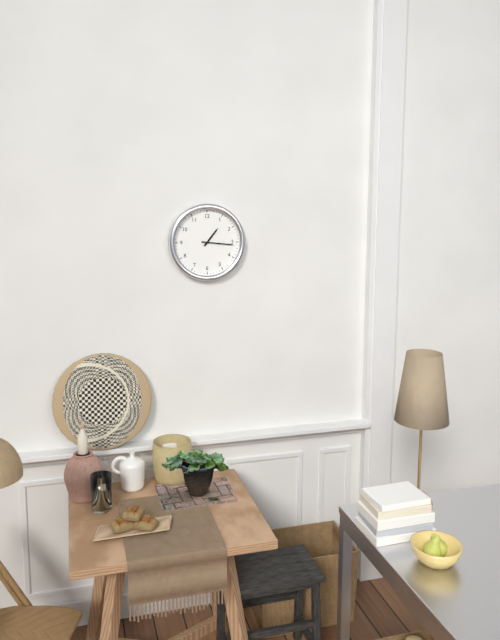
1:16
